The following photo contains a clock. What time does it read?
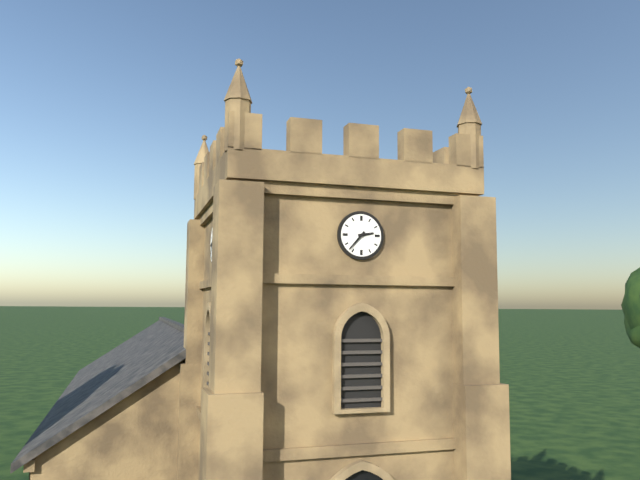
2:37
